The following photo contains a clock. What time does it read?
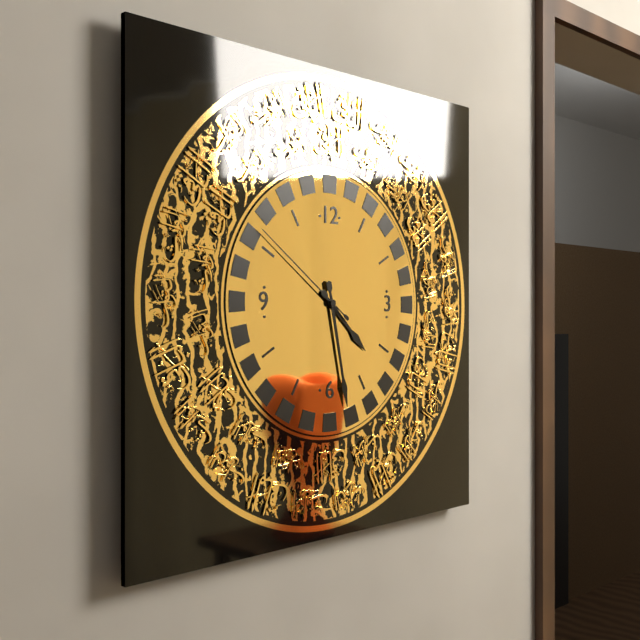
4:28:51
